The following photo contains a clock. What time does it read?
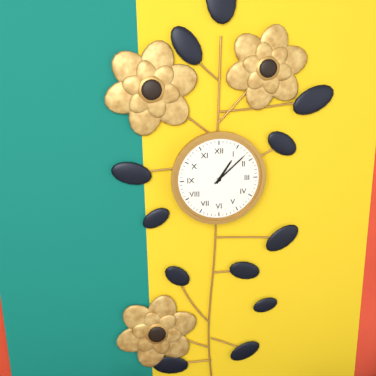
1:08
